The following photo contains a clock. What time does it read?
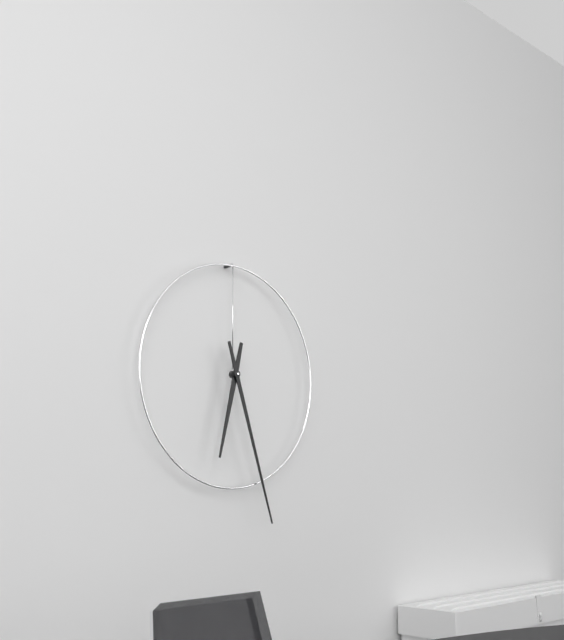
6:27
